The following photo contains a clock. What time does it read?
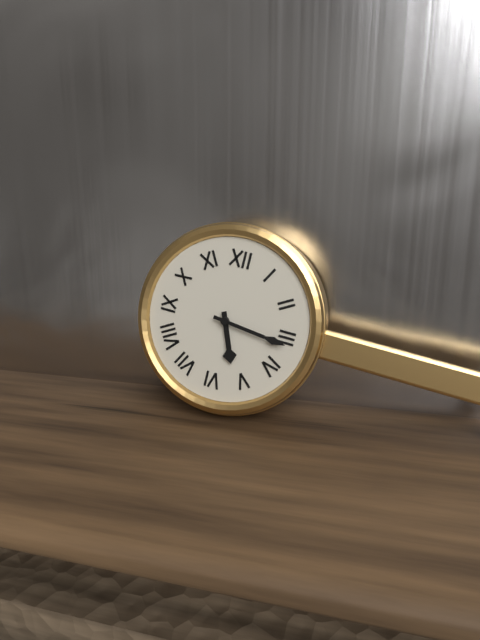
5:16
